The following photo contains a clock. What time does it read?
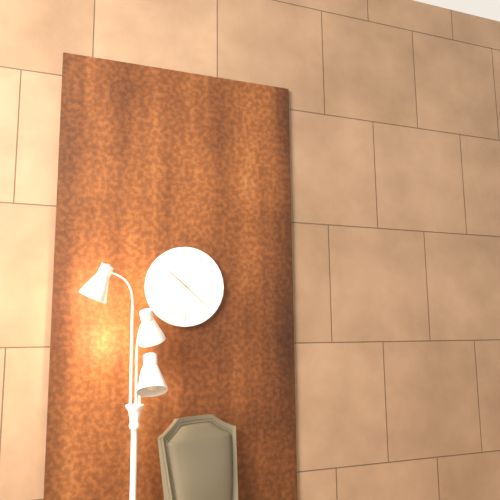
10:22
